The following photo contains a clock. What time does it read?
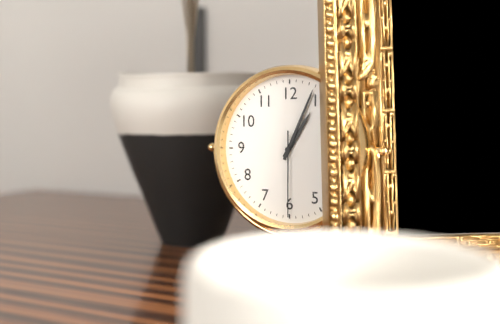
1:04:30
